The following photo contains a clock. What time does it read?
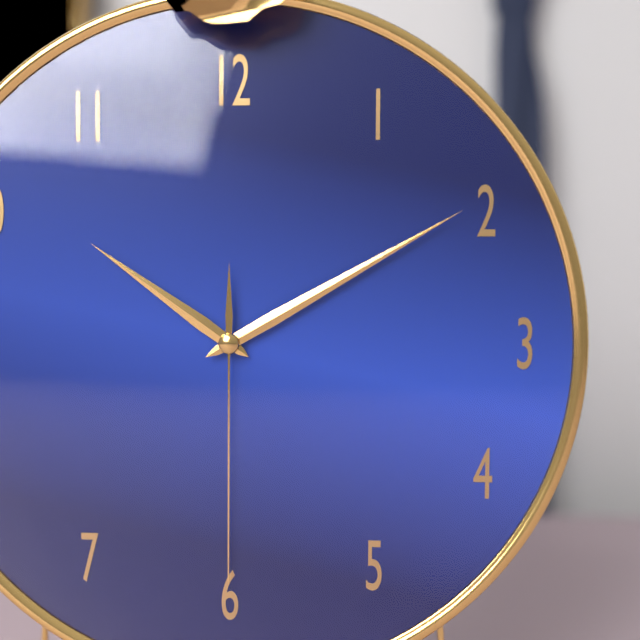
10:10:30
